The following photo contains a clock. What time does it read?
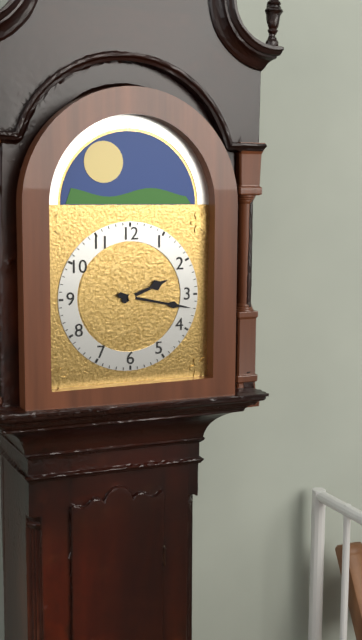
2:17
